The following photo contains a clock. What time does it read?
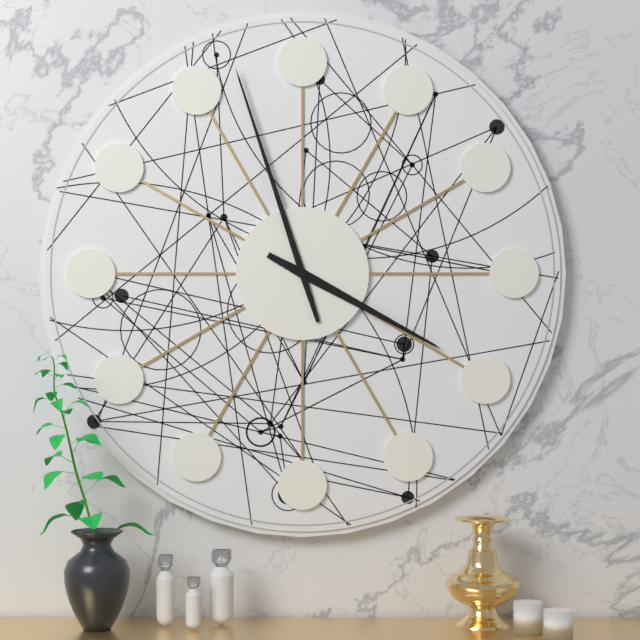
3:57
